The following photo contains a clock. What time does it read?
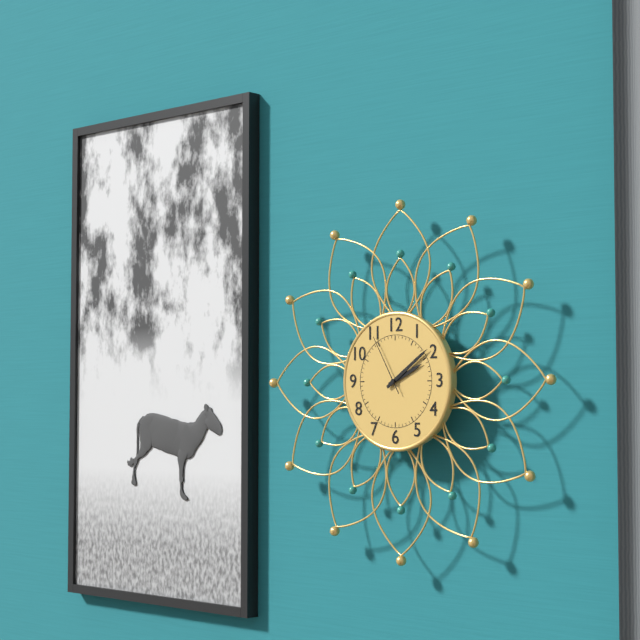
2:09:55
